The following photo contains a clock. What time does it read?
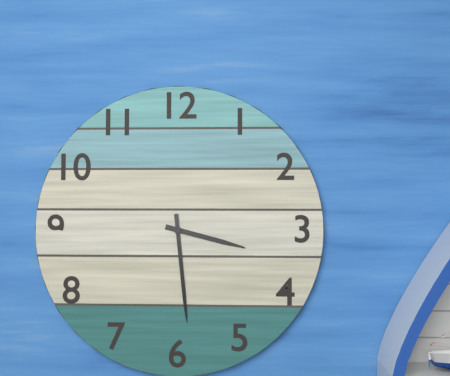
3:29
